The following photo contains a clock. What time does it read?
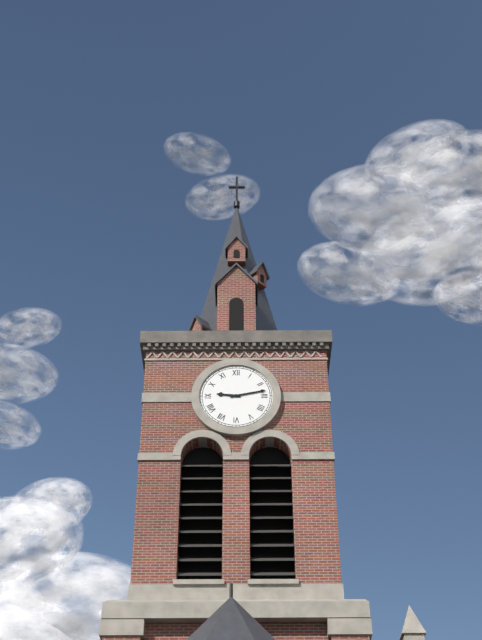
9:13
